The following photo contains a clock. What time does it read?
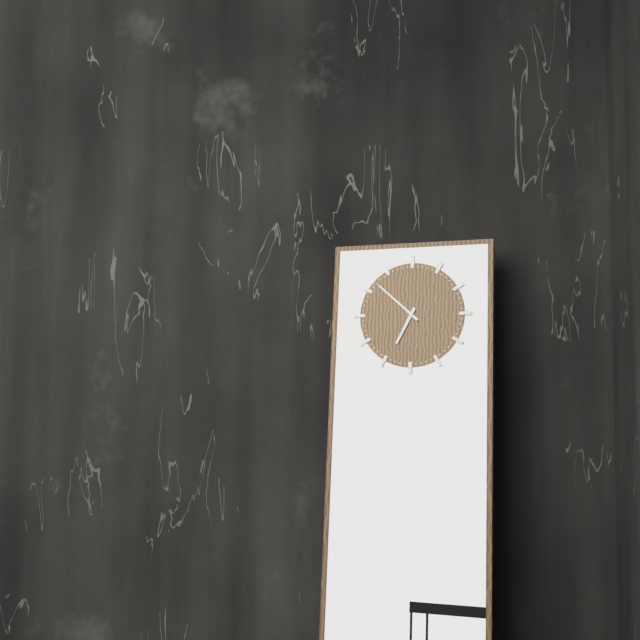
6:52
